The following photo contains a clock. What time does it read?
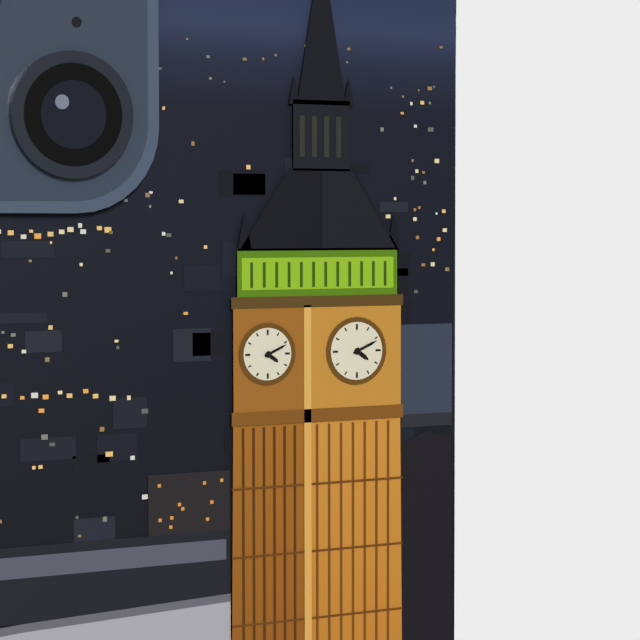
4:11
